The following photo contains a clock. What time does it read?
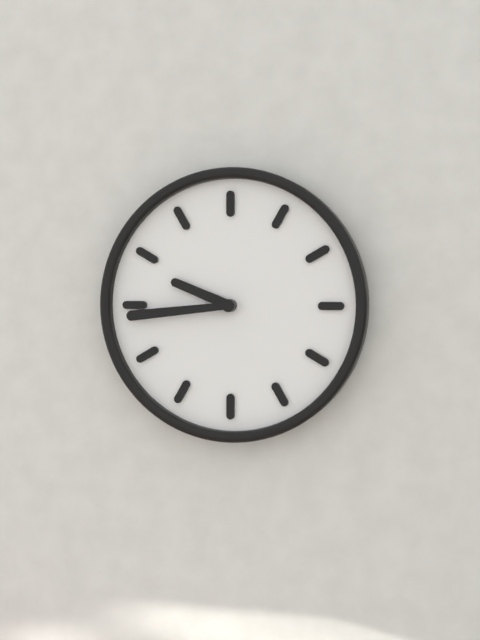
9:44
